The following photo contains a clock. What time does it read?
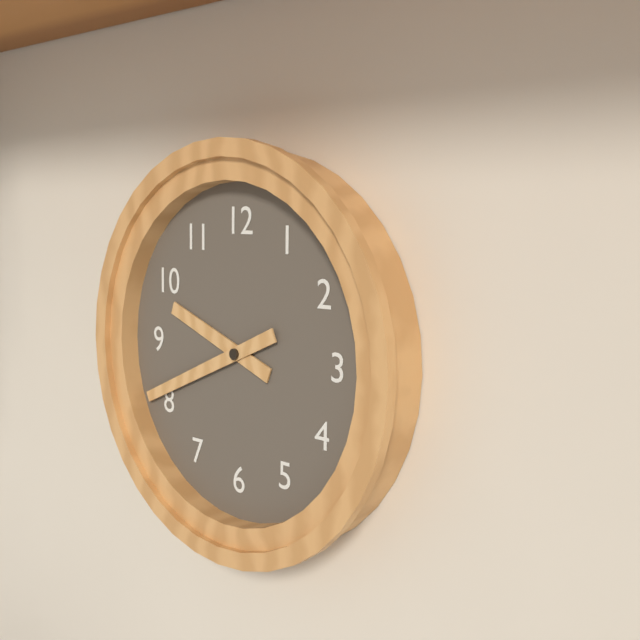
9:41
